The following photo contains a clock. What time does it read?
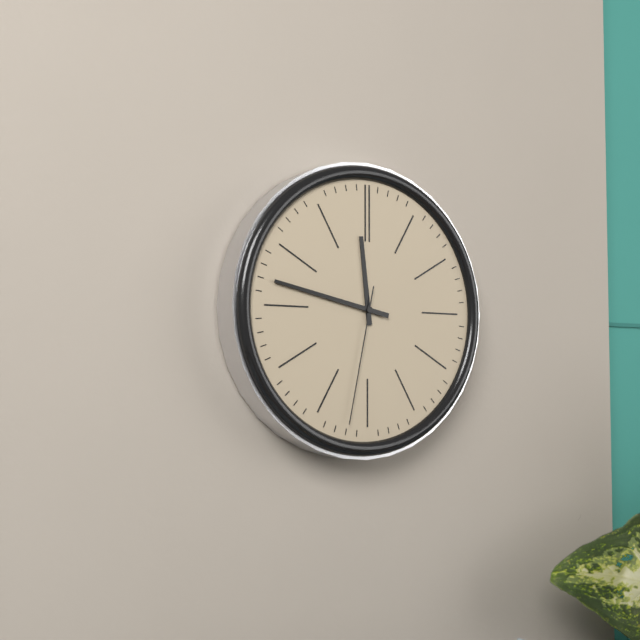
11:47:32
